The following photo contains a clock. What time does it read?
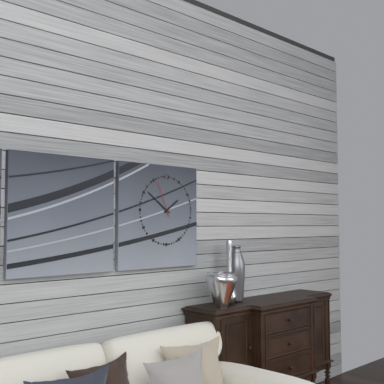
1:51
